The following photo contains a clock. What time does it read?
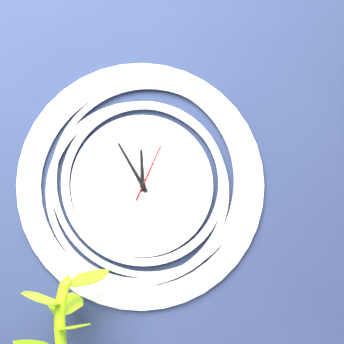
11:55:04
